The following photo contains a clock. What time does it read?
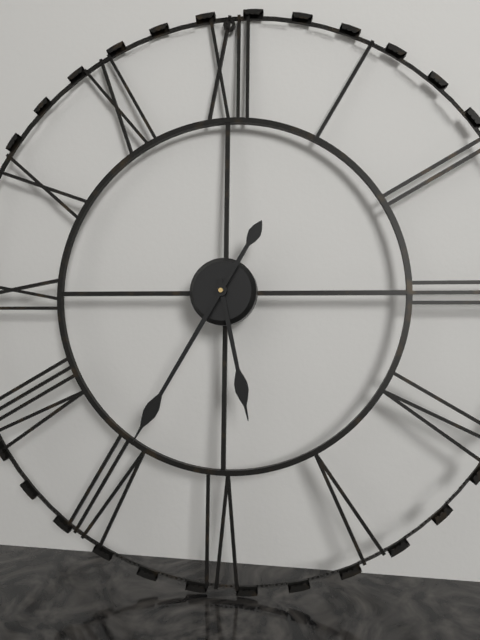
5:35
